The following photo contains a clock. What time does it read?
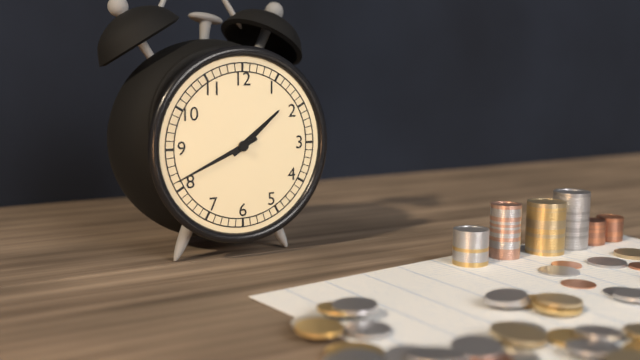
1:41
